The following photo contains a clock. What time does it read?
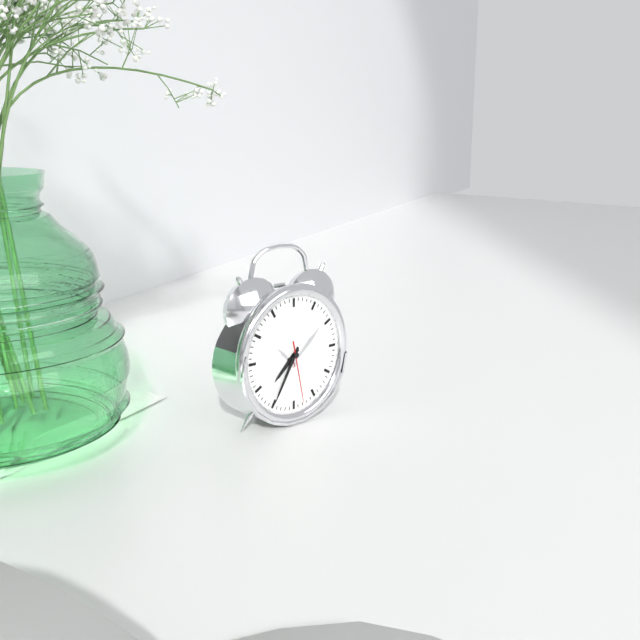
7:35:28
